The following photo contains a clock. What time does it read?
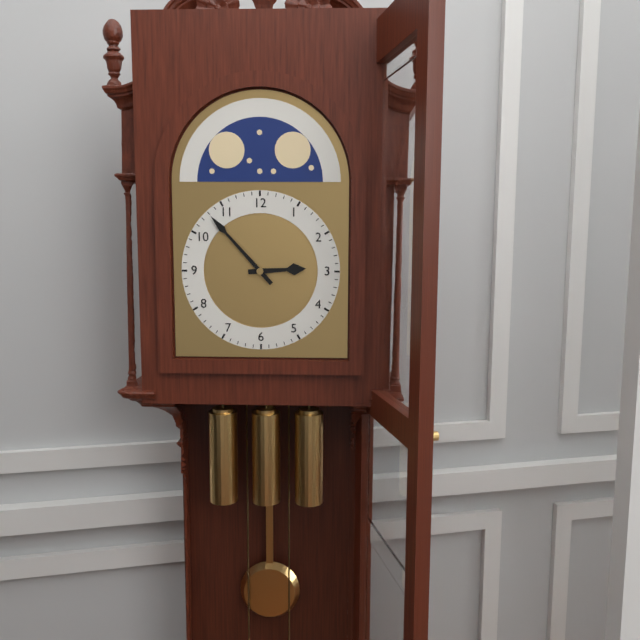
2:53
